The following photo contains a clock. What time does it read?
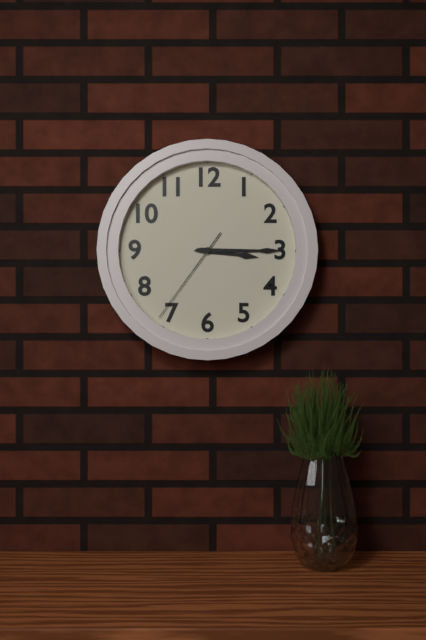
3:15:36
